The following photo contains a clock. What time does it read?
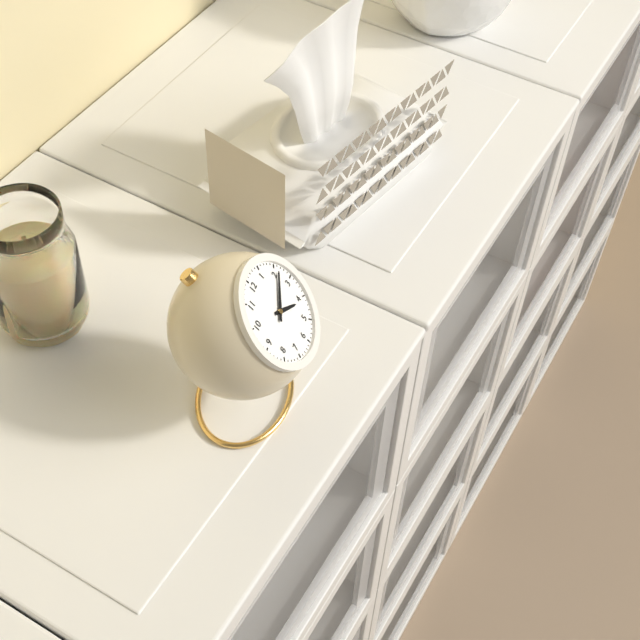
4:11
